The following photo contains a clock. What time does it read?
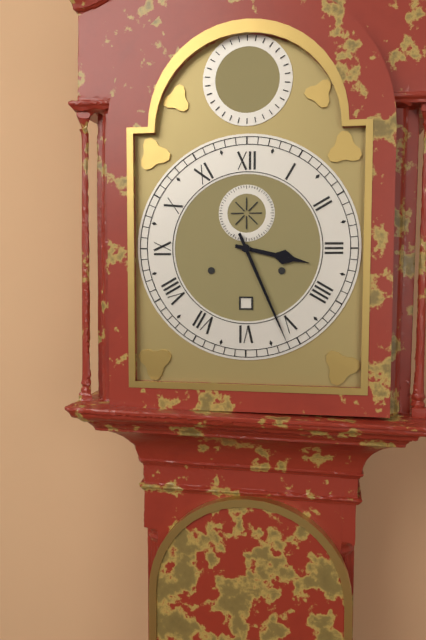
3:26
